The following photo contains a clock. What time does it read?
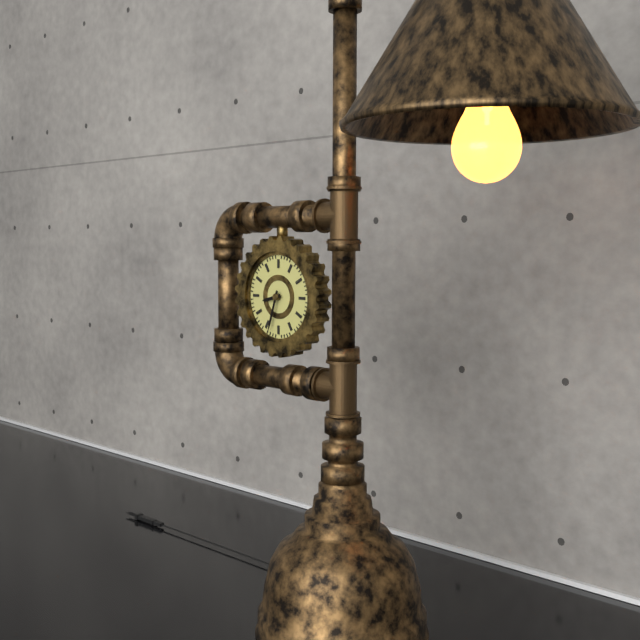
8:33
